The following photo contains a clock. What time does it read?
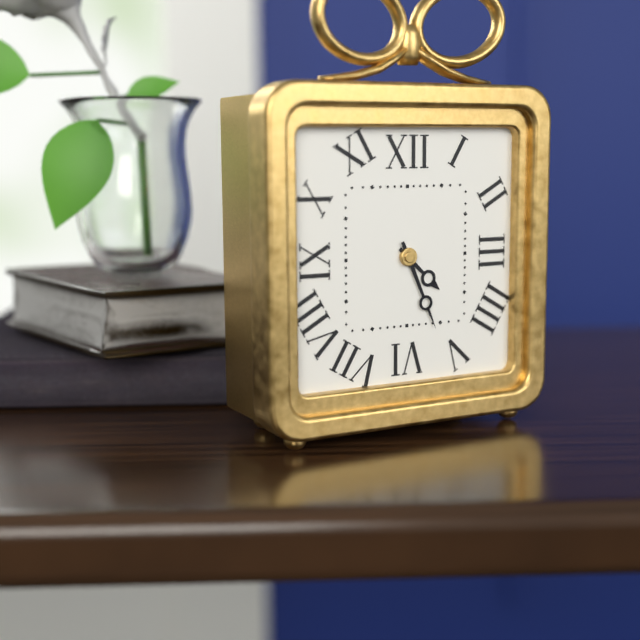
4:26
